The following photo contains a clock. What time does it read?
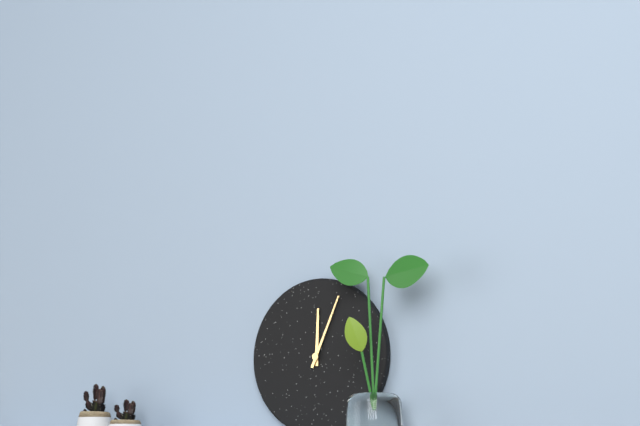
12:04
